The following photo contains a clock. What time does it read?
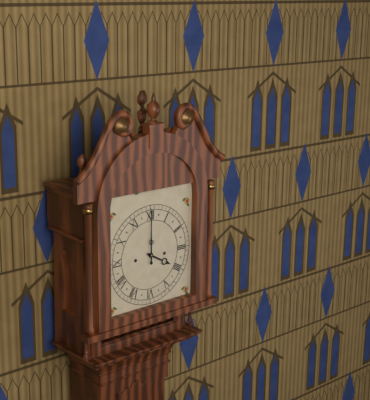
4:00
